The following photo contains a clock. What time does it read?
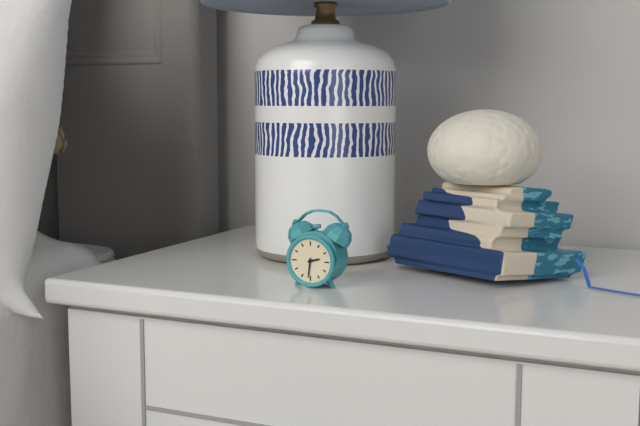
2:31
